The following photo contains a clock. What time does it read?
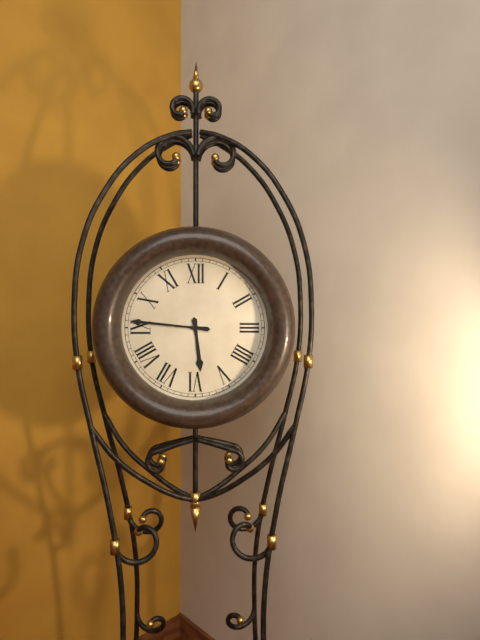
5:46
